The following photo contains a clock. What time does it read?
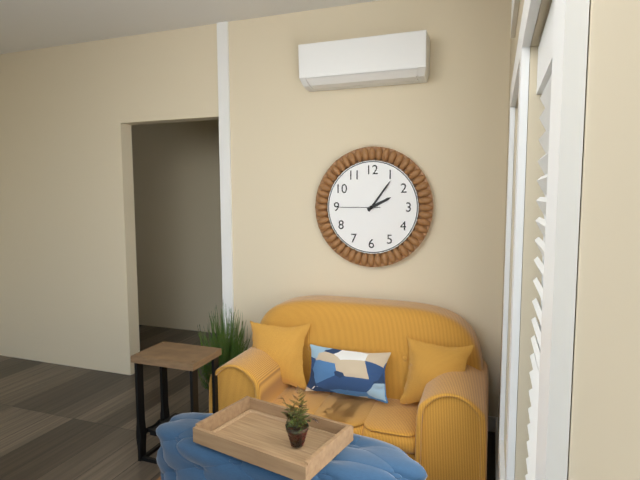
2:06
